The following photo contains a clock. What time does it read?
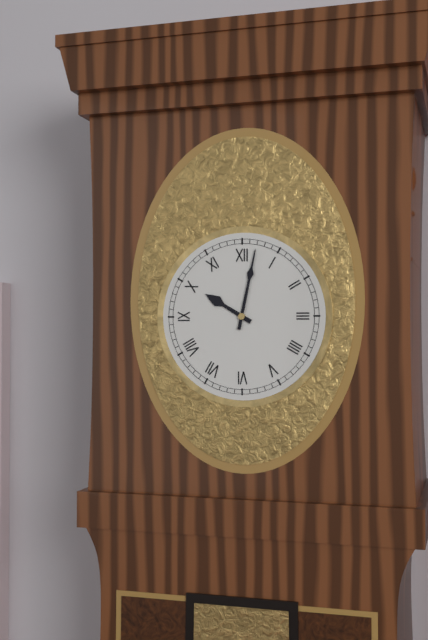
10:02
